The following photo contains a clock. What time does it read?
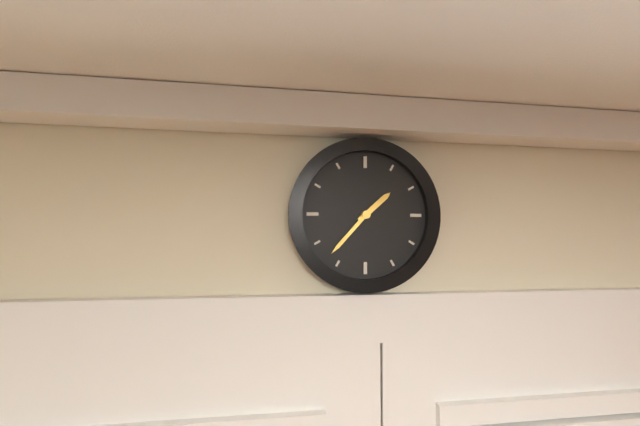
1:37
